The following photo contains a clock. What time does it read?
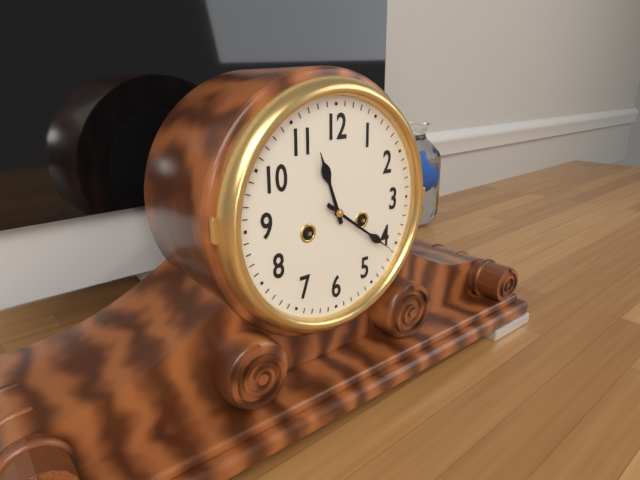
11:21
